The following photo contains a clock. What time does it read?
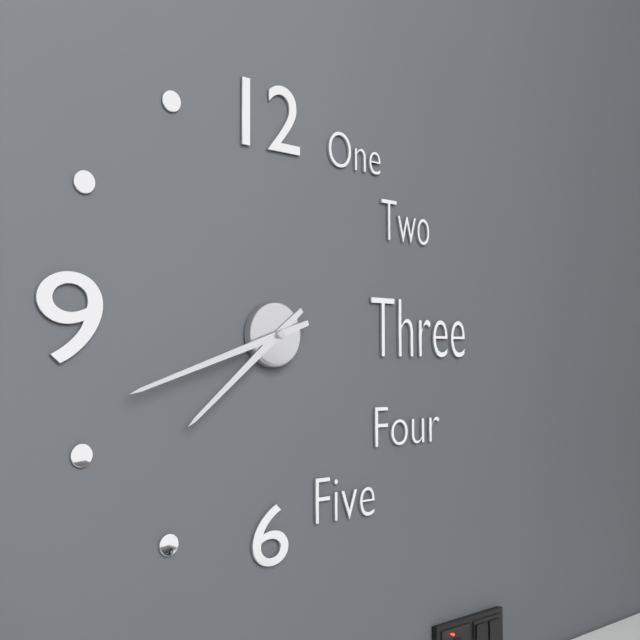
7:42
